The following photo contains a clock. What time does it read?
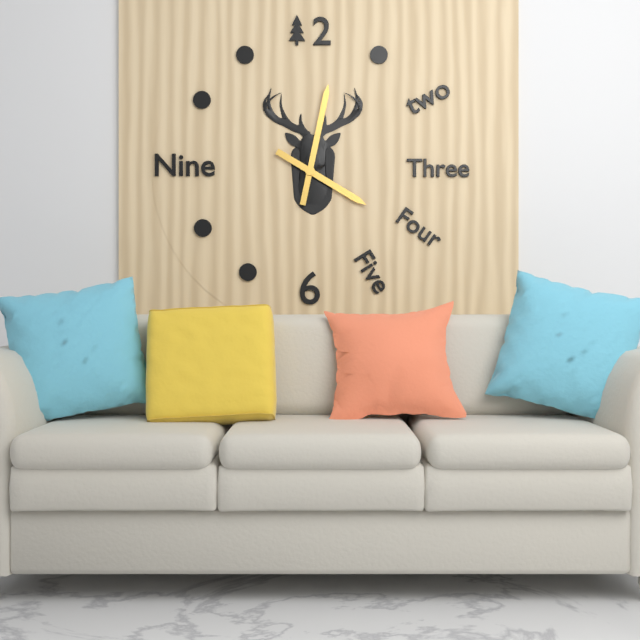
4:02
